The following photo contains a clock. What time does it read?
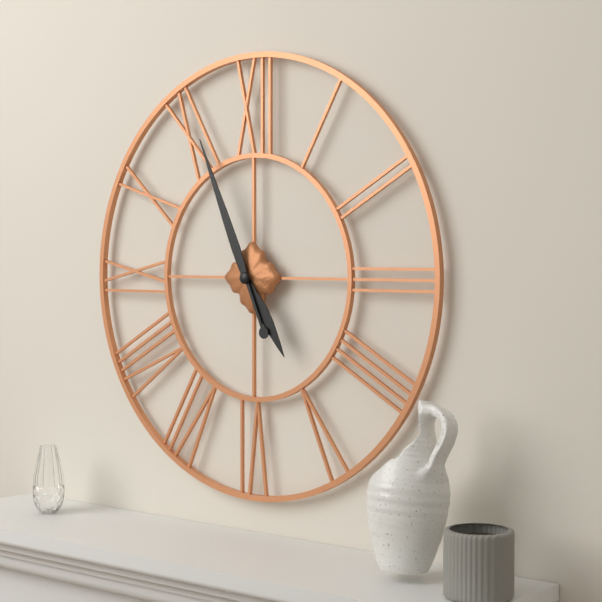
4:56
